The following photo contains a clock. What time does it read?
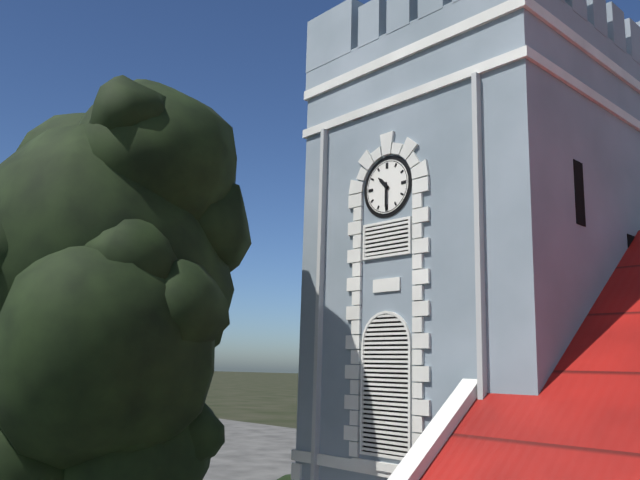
10:30
